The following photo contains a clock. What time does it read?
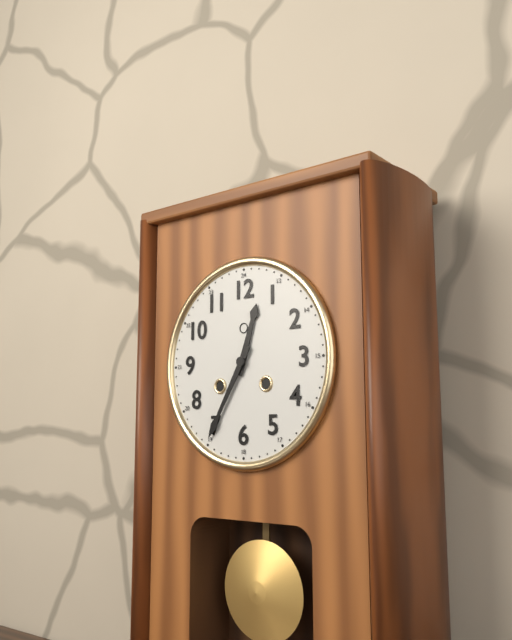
12:35
